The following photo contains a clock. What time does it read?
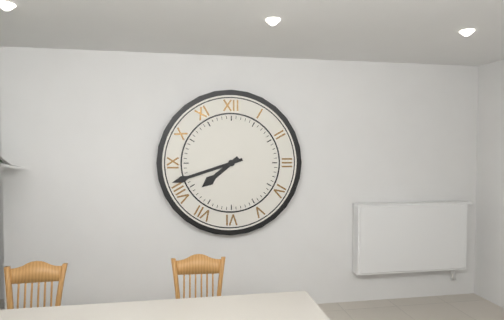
7:42
